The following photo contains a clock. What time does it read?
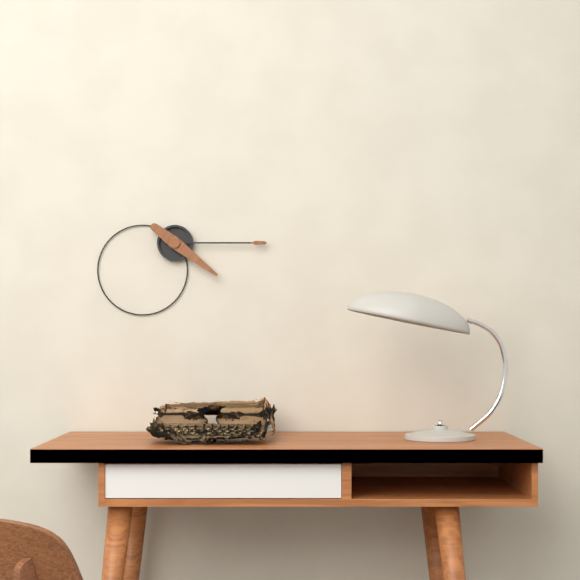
4:15
